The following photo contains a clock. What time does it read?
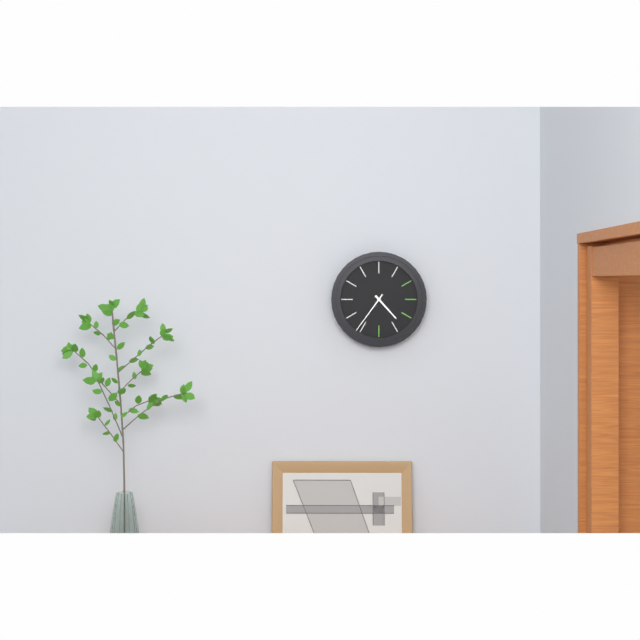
4:36
